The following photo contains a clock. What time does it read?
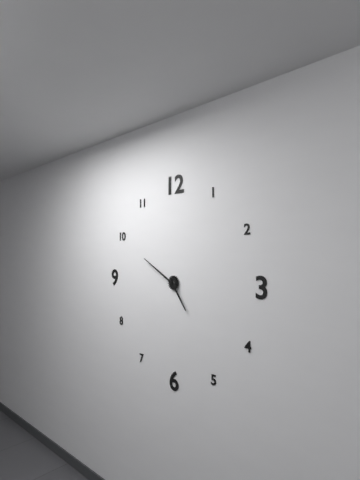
4:50
